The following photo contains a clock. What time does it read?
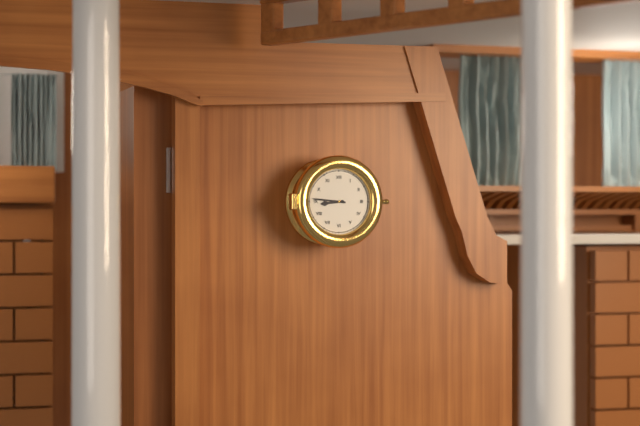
8:46
